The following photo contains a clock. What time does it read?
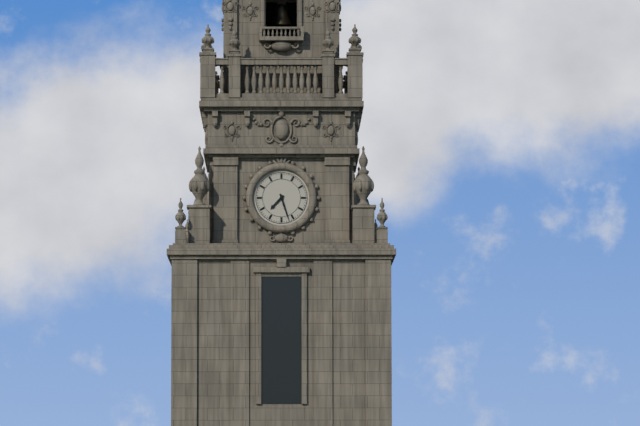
7:27
